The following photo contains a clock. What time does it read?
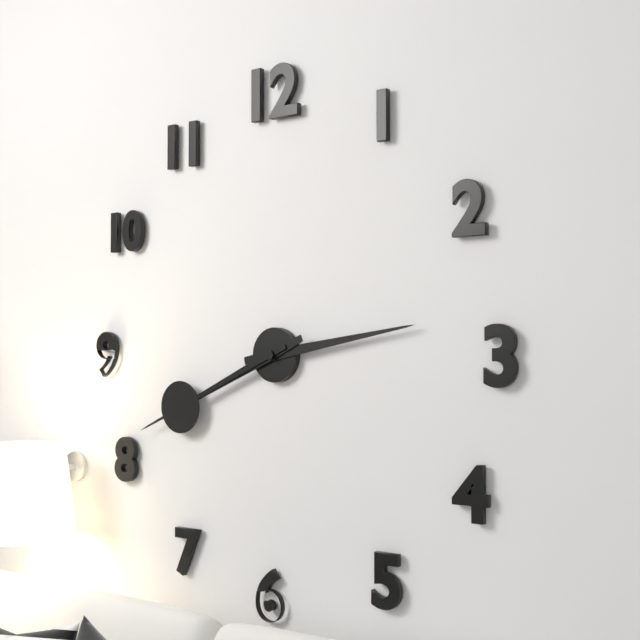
2:41:41
